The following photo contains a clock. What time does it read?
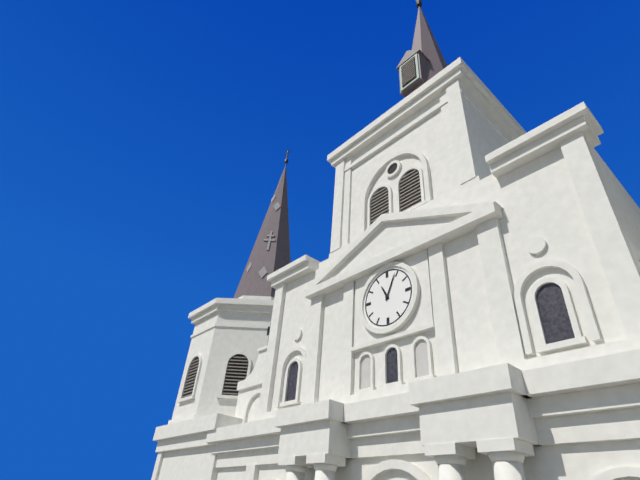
11:04
